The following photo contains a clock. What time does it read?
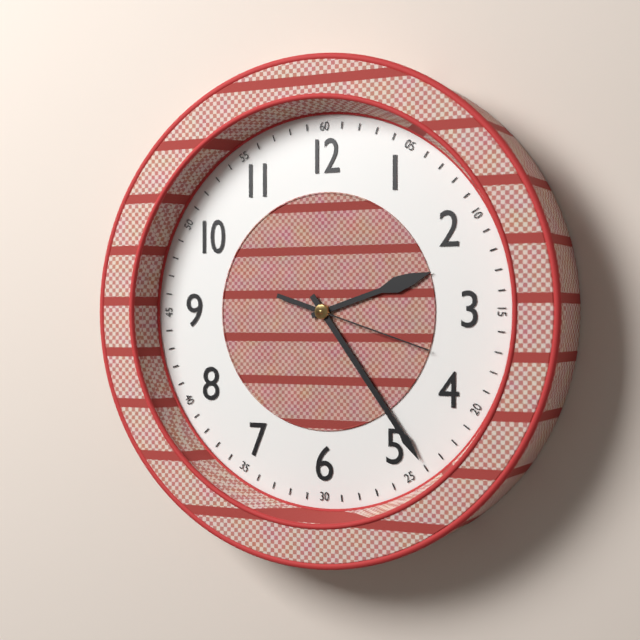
2:24:18
